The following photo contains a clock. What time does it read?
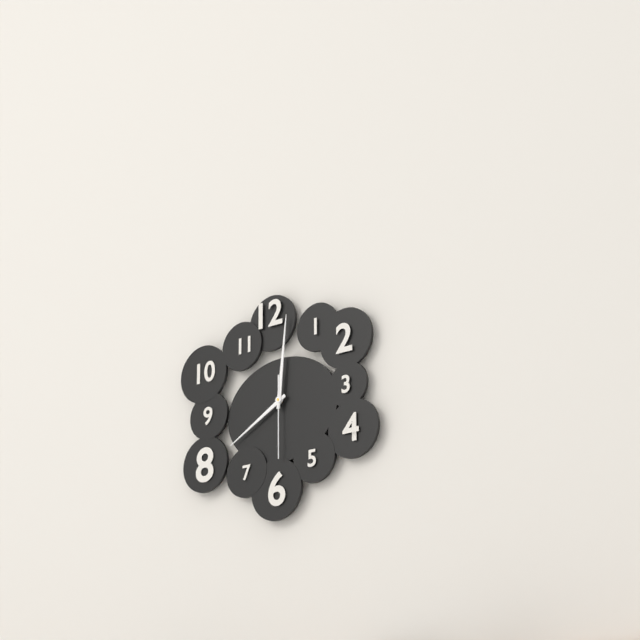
8:01:30
